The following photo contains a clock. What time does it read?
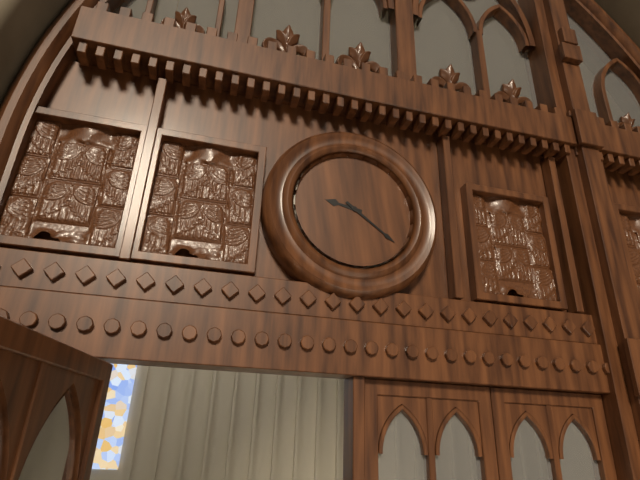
9:21
